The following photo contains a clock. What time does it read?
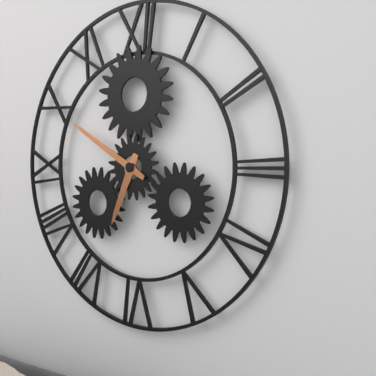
6:50
